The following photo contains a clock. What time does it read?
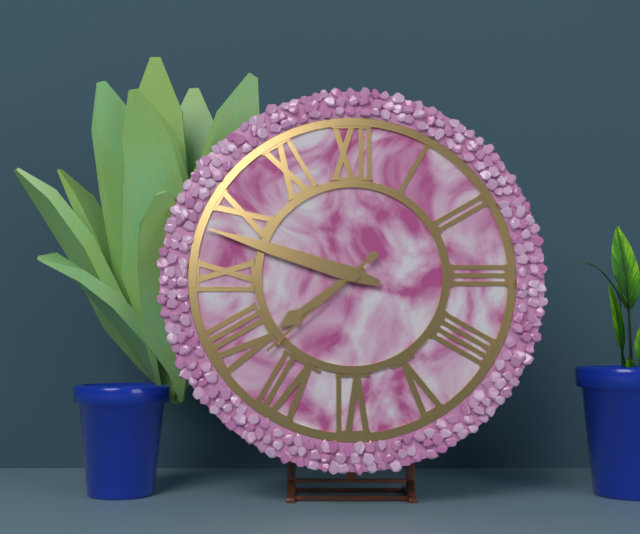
7:48:38
